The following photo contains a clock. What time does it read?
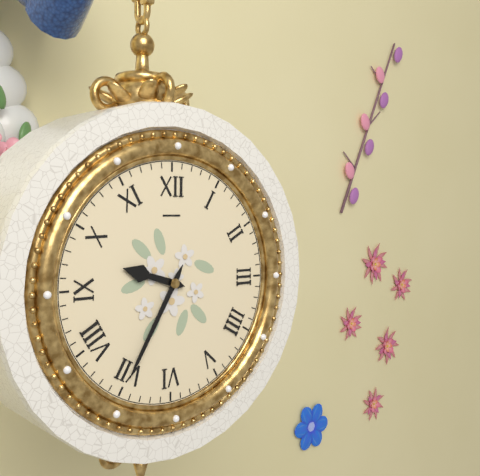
9:35
